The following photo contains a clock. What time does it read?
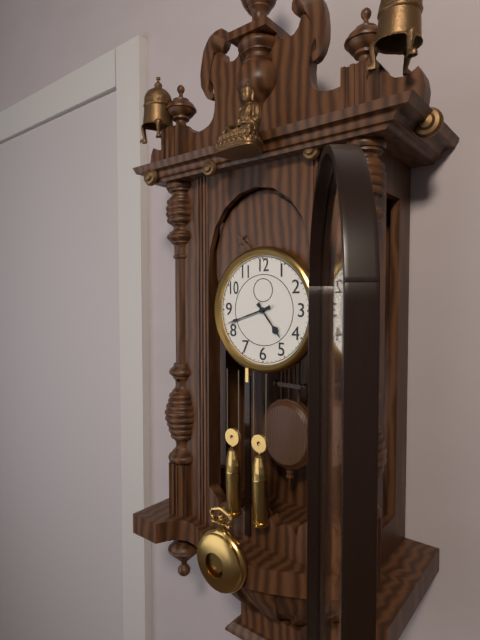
4:42
